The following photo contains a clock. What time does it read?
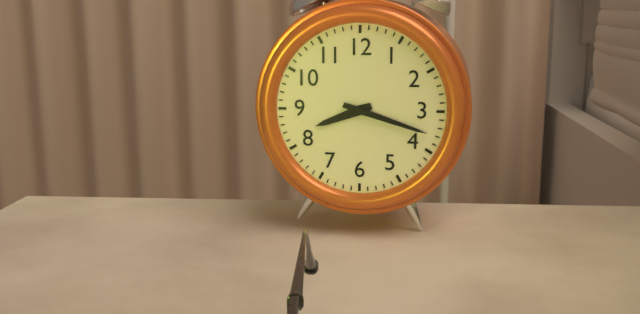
8:18
